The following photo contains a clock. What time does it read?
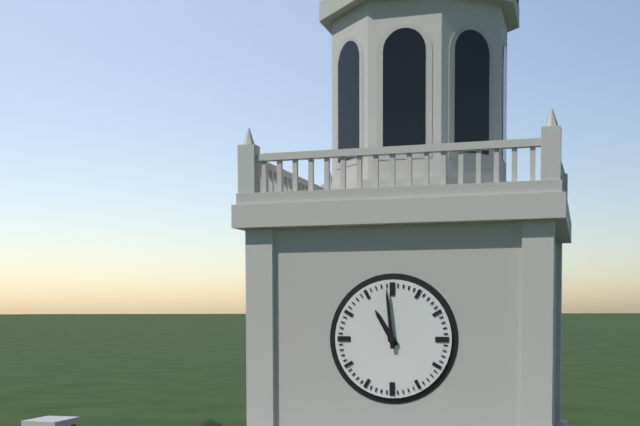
10:59
